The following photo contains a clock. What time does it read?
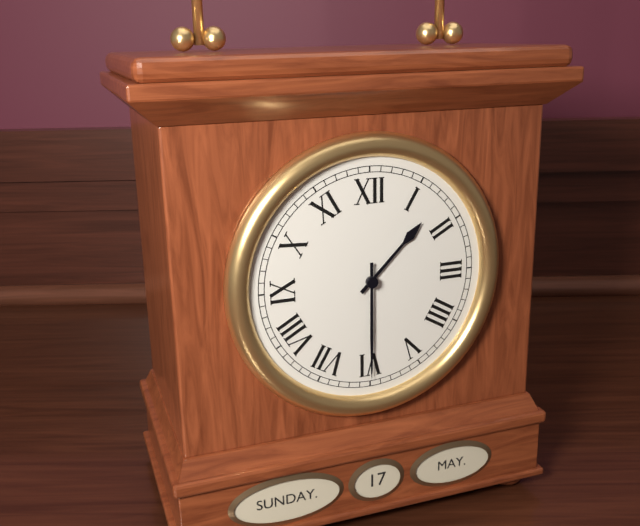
1:30
